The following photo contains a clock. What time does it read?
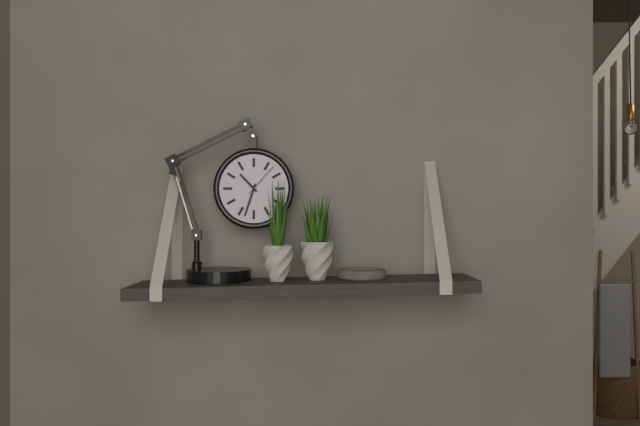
10:33
